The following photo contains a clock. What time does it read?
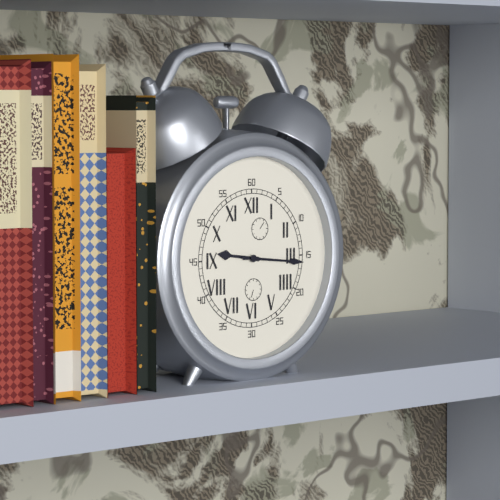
9:16
